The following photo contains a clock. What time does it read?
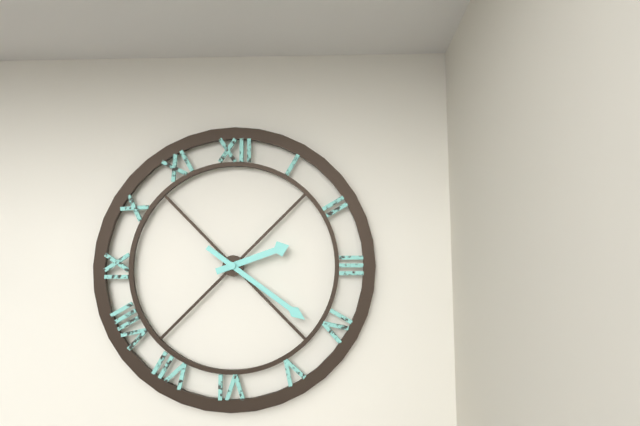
2:21
